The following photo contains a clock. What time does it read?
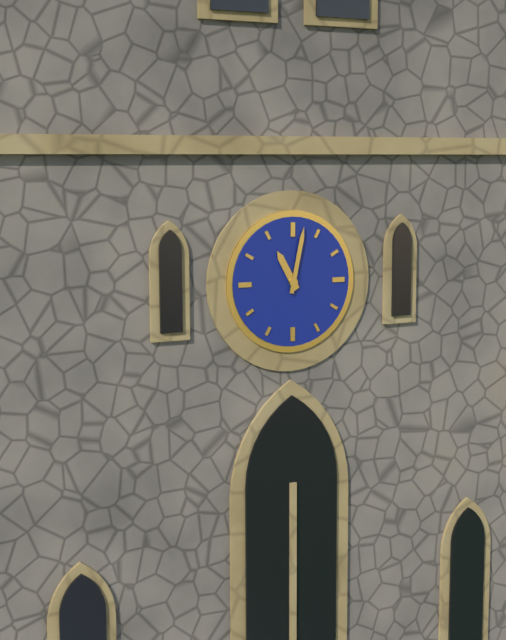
11:02
